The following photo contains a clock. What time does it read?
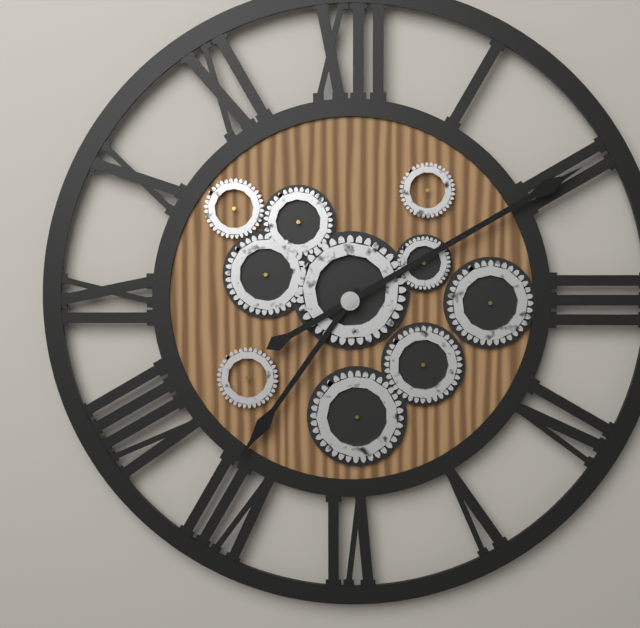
7:10
